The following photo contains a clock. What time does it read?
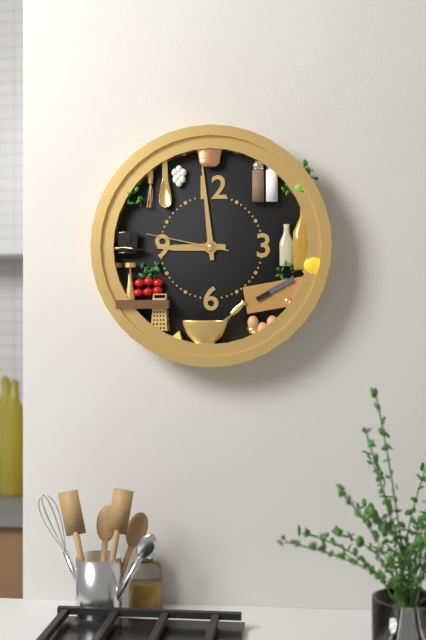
8:59:47
